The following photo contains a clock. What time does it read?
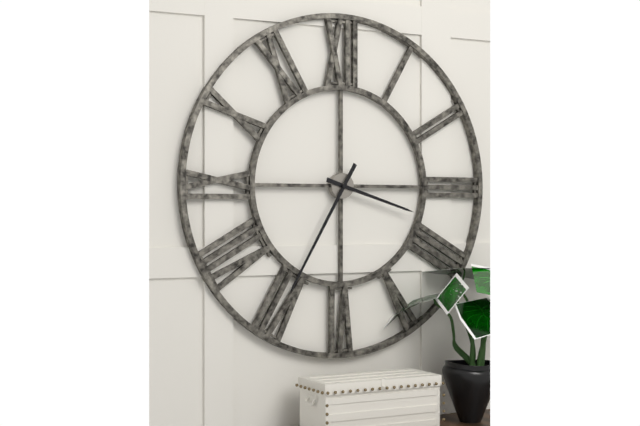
3:35
